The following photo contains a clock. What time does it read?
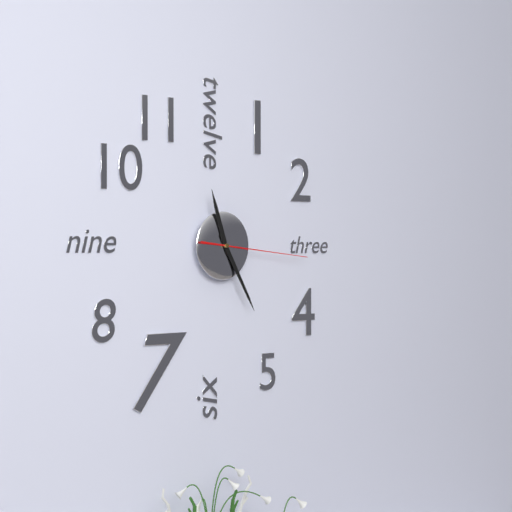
11:25:16
